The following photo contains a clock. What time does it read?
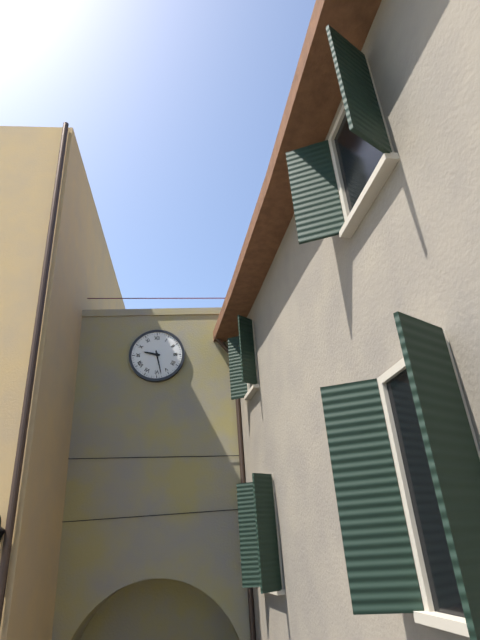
9:28
